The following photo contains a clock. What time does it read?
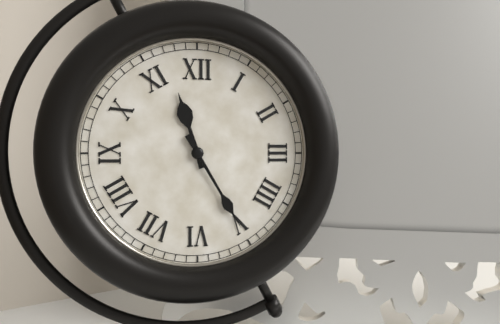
11:25
